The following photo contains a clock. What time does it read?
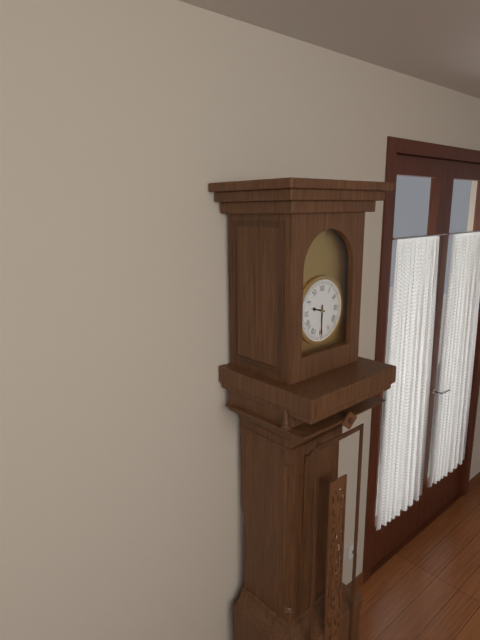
9:30
